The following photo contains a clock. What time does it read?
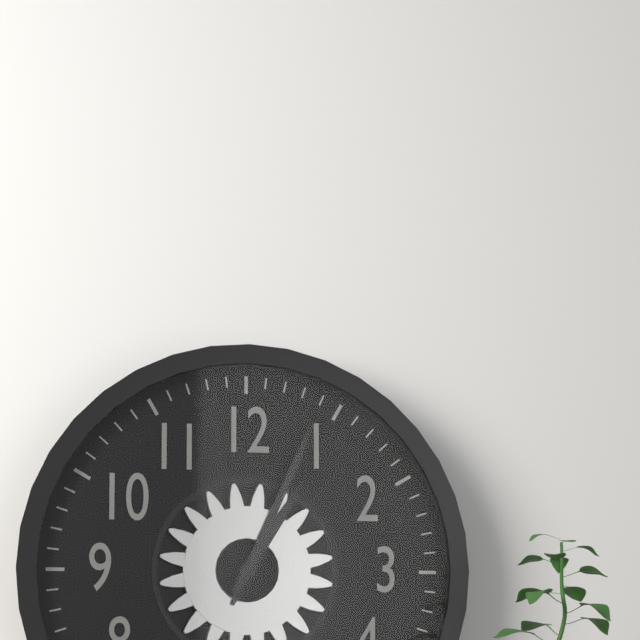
1:04
